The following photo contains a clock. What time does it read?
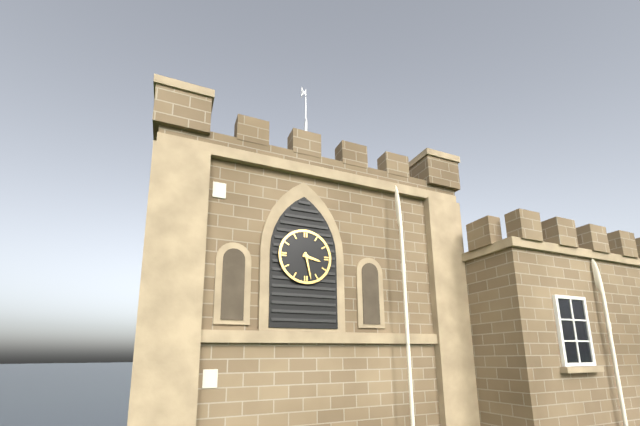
3:28
